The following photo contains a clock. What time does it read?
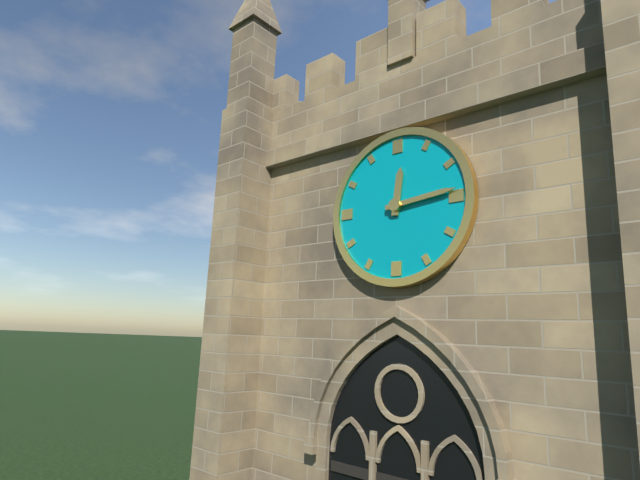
12:14
